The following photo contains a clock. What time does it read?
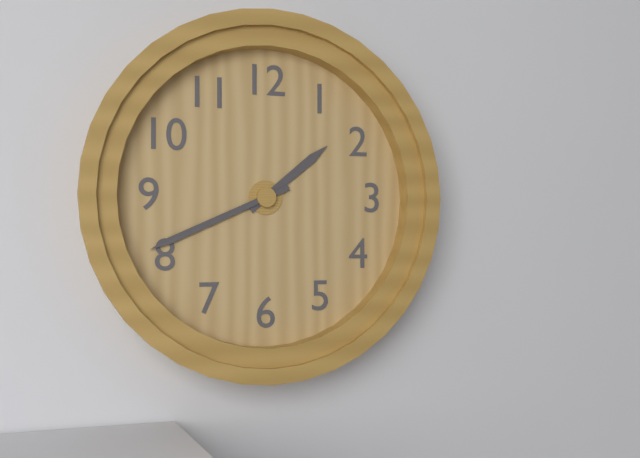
1:41
